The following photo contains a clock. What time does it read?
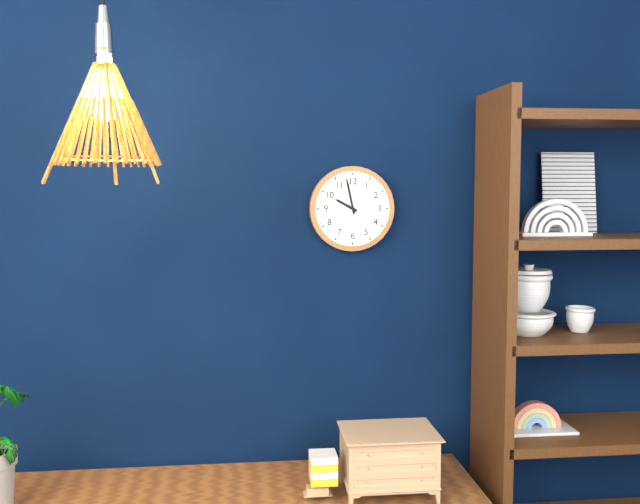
9:58
